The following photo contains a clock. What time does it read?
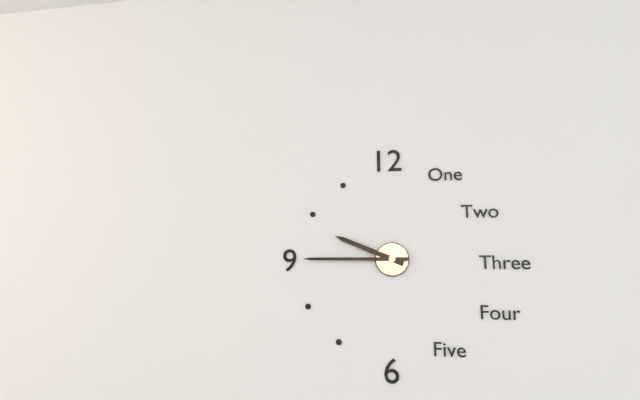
9:45
